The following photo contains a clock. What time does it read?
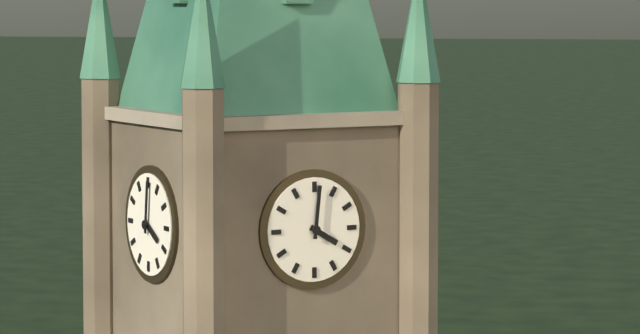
4:01
